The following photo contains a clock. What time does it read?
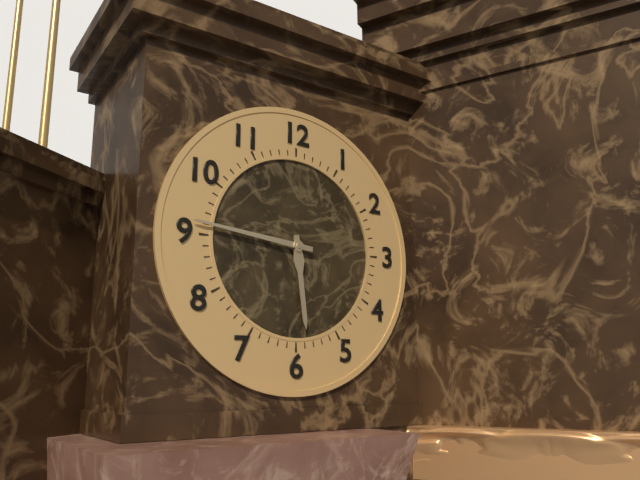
5:46
